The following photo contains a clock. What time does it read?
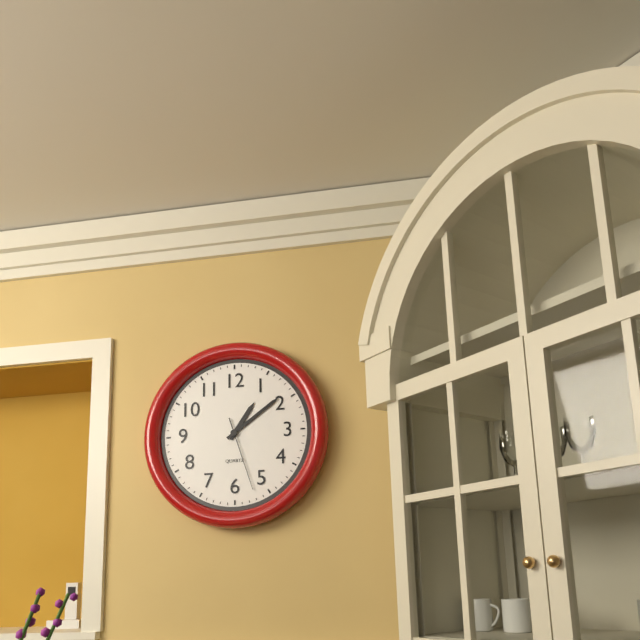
1:09:27
